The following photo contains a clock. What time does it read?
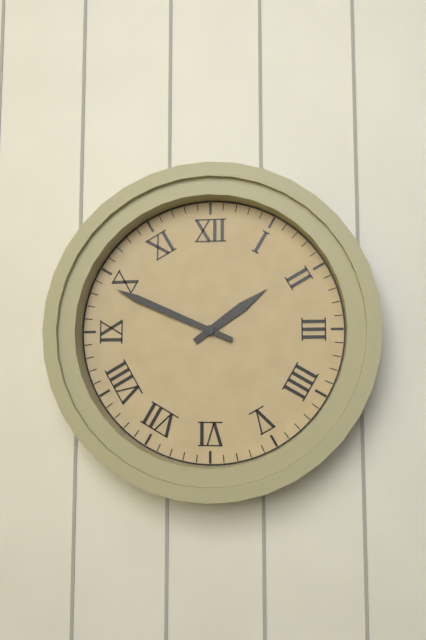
1:49
